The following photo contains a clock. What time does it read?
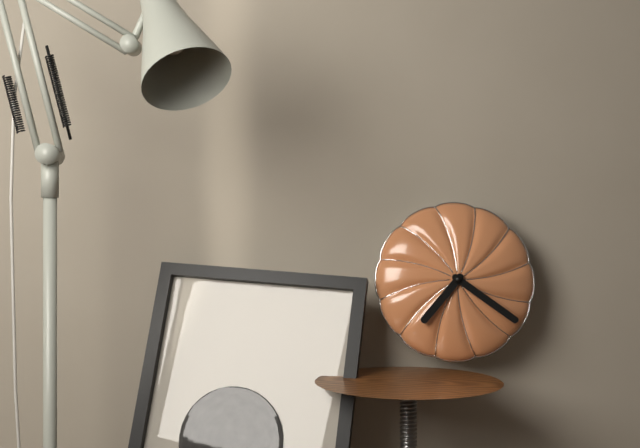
7:21
